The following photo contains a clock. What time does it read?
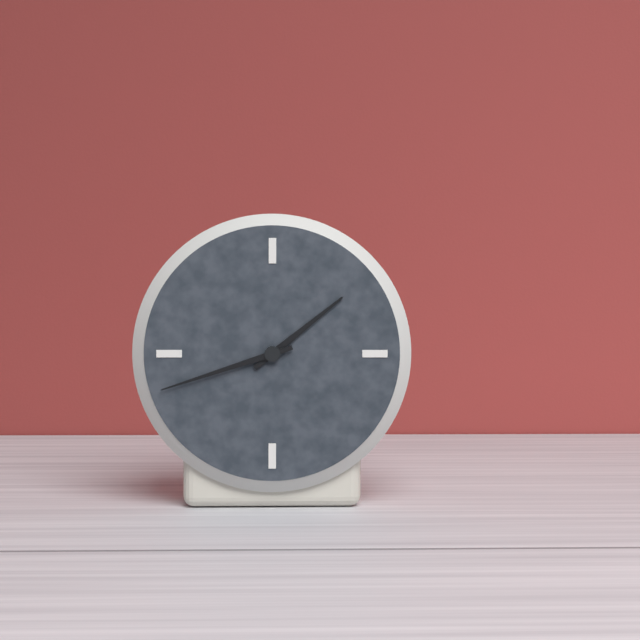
1:42
